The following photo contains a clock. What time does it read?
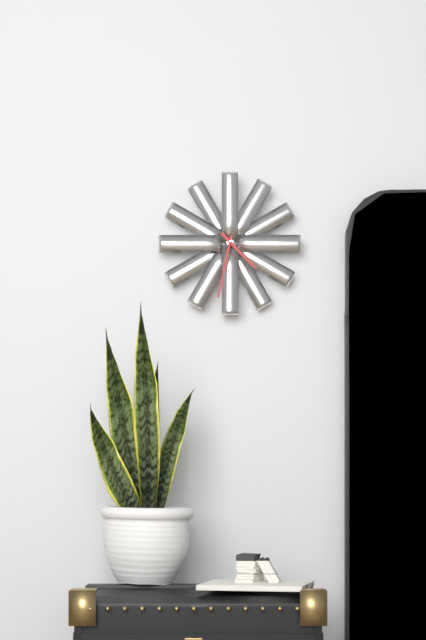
4:32
